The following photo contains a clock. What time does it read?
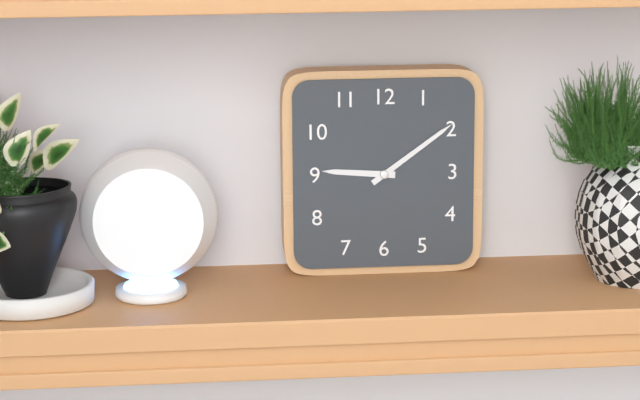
9:09
